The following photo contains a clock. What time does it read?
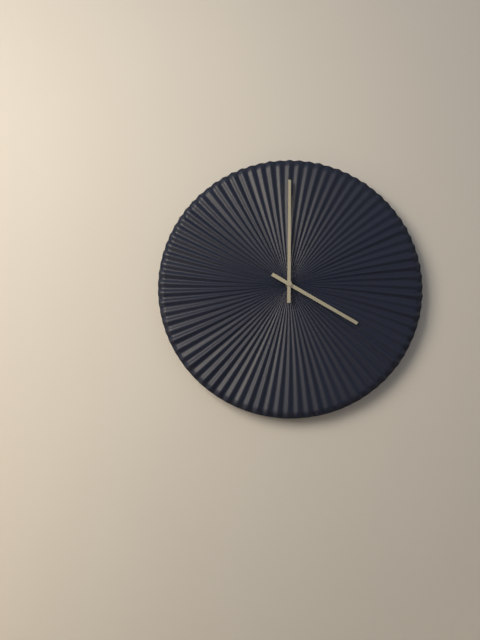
4:00
